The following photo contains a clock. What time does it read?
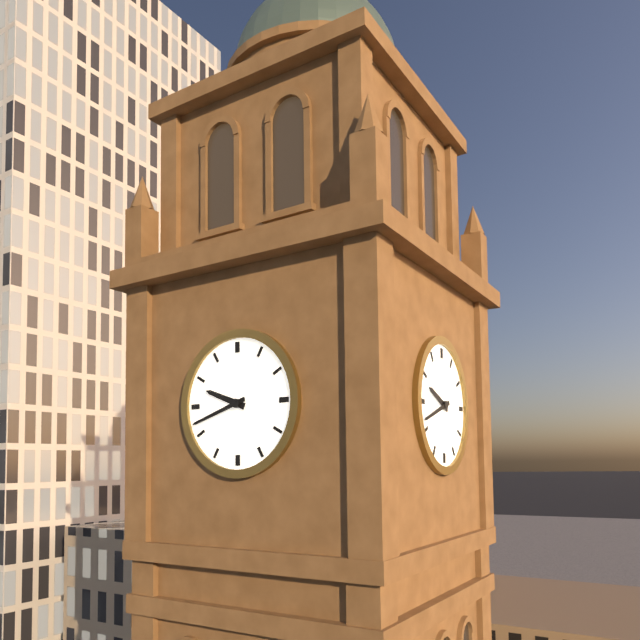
9:42
